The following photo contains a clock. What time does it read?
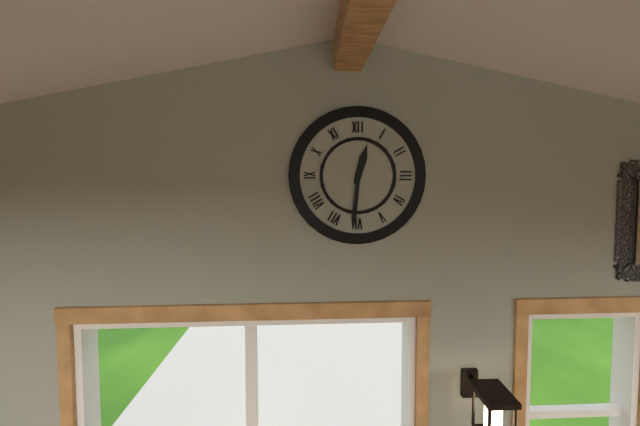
12:31
